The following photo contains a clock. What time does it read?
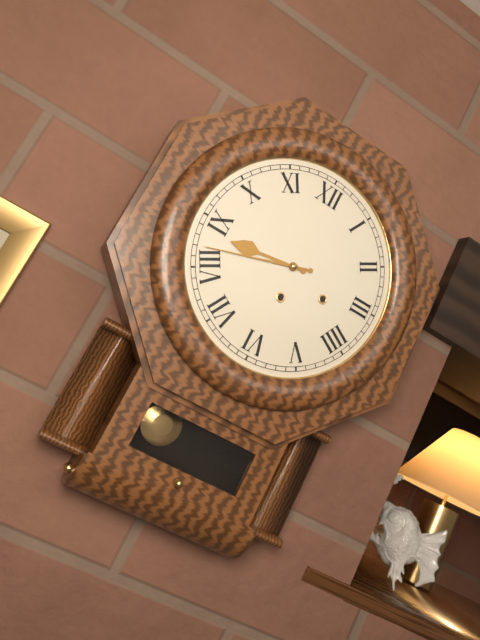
8:42
